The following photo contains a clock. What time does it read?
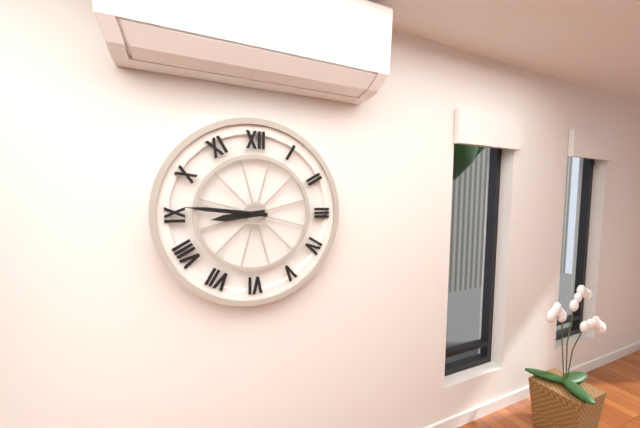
8:46
